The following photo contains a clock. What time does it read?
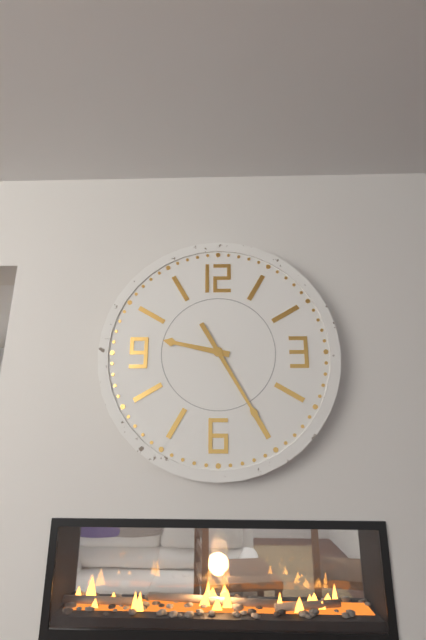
9:25
